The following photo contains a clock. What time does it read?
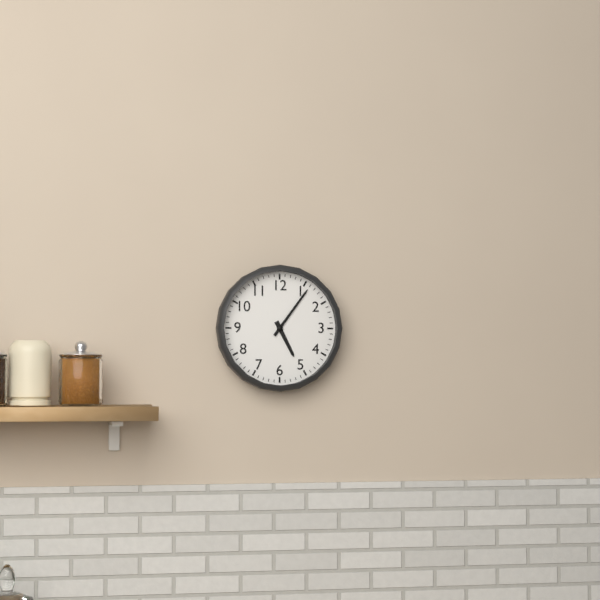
5:06
